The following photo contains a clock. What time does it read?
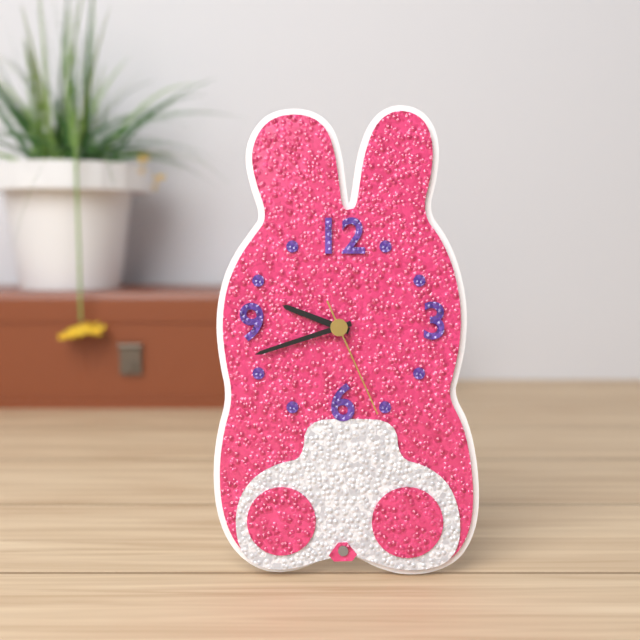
9:42:26
